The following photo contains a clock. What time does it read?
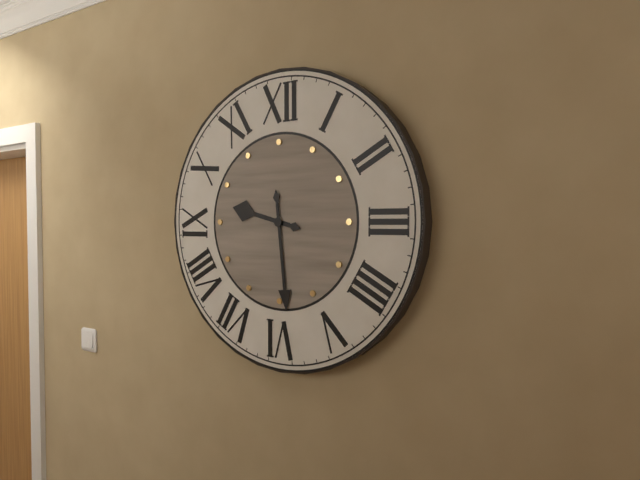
9:29
